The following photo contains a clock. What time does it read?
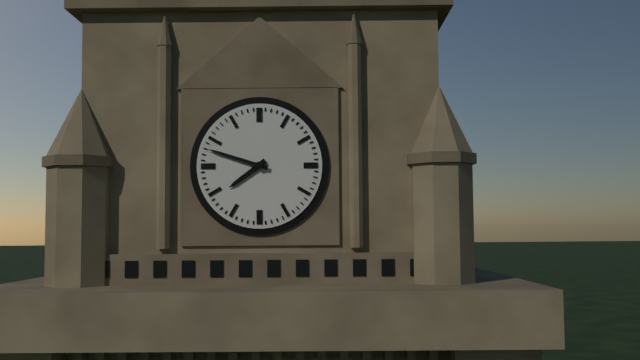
7:48
